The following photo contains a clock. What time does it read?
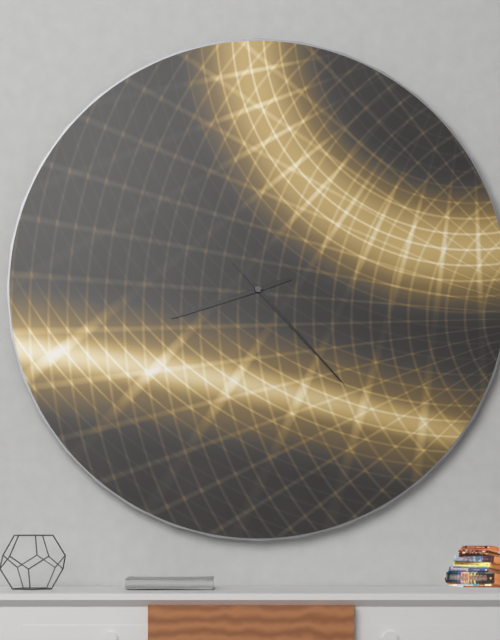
8:23
